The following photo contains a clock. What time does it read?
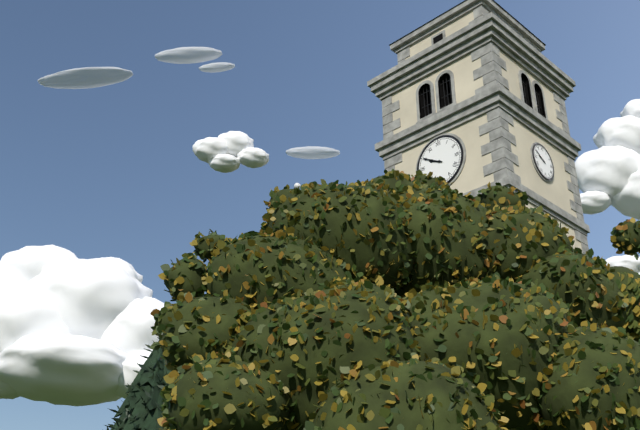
9:50
